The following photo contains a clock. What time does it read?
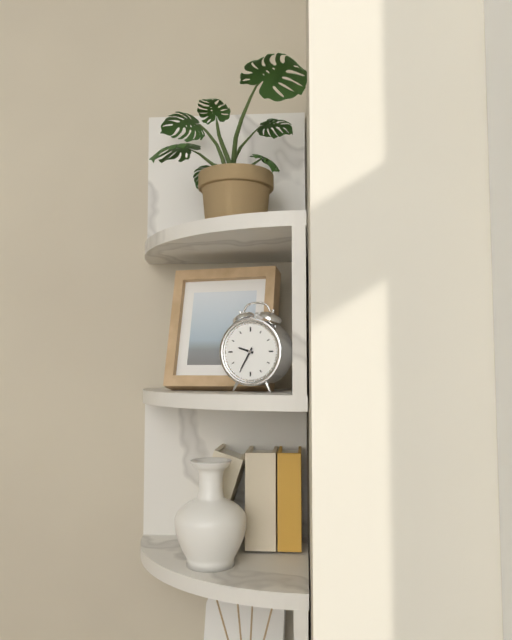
9:35
